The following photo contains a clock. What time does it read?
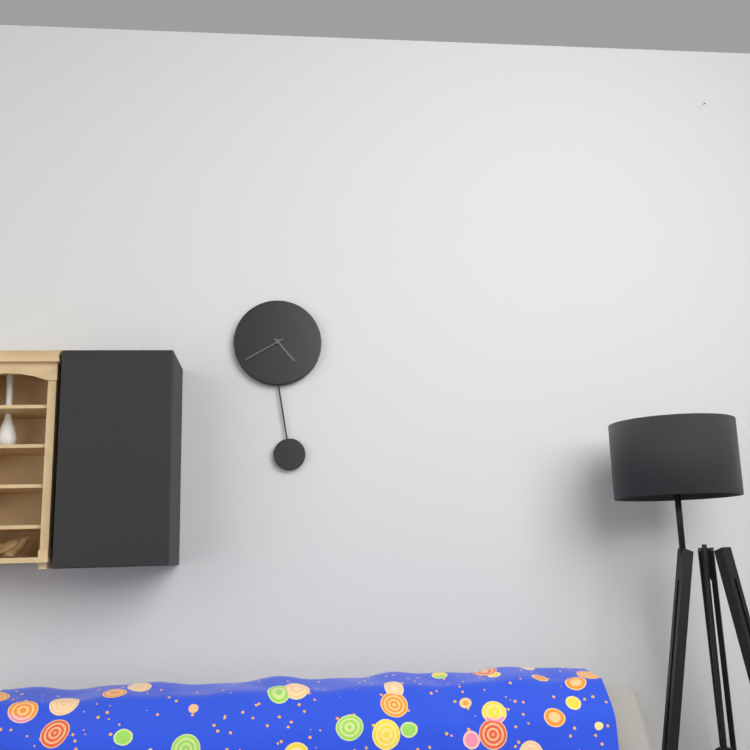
4:40
